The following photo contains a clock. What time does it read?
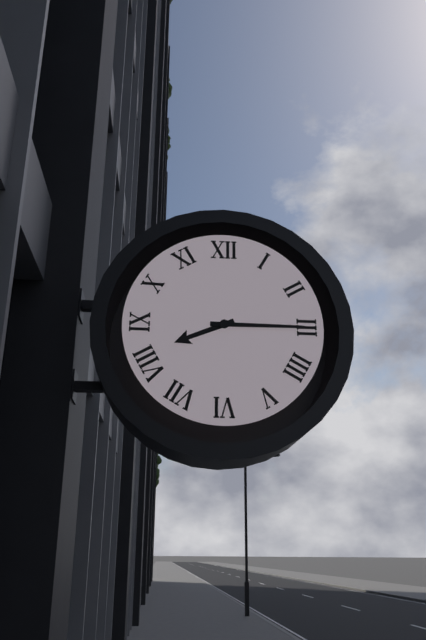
8:15
